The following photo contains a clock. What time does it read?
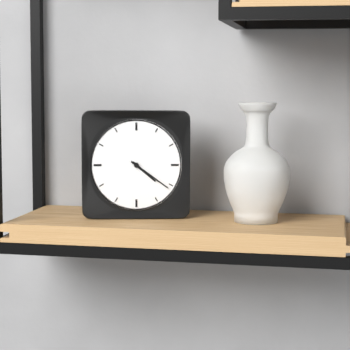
4:21
